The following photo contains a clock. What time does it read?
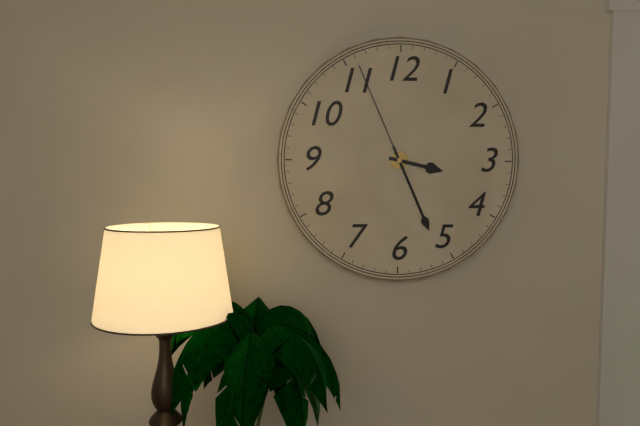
3:26:56
